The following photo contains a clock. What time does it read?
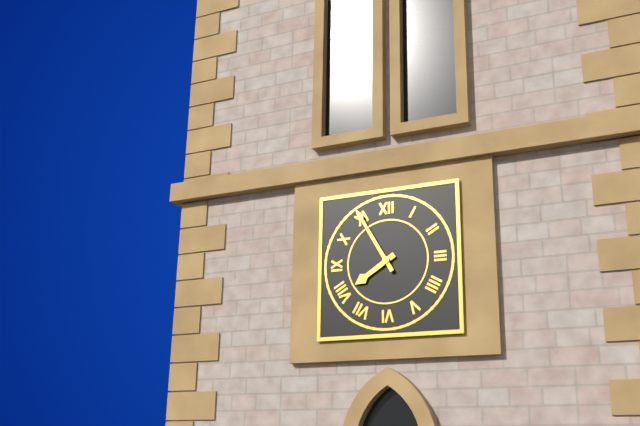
7:55
